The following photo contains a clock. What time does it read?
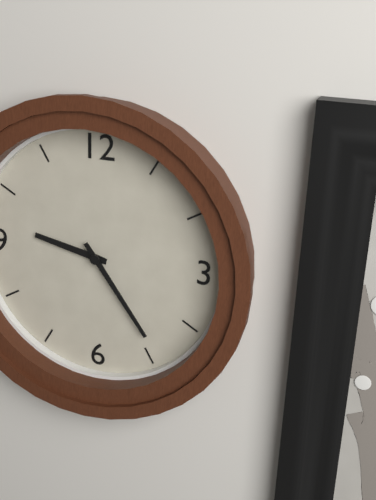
9:24
